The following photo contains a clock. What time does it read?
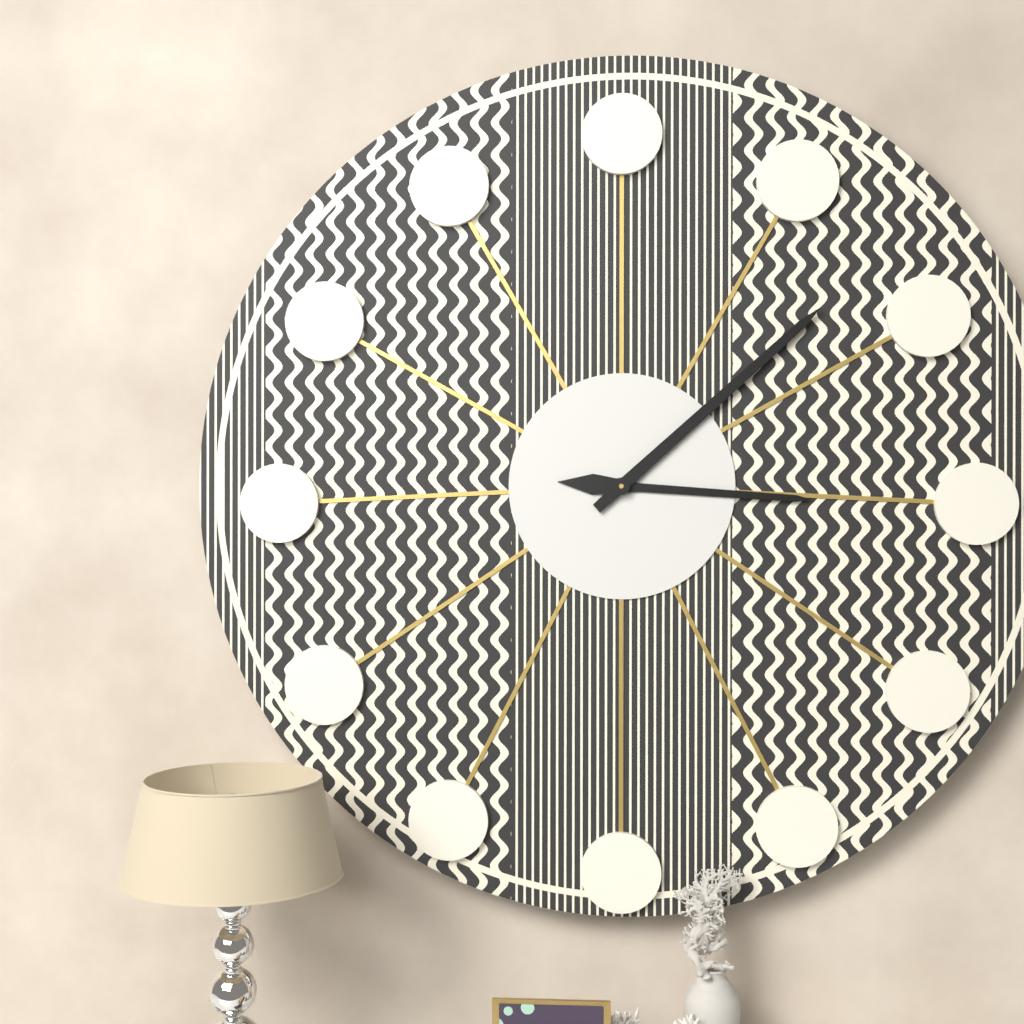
3:08
